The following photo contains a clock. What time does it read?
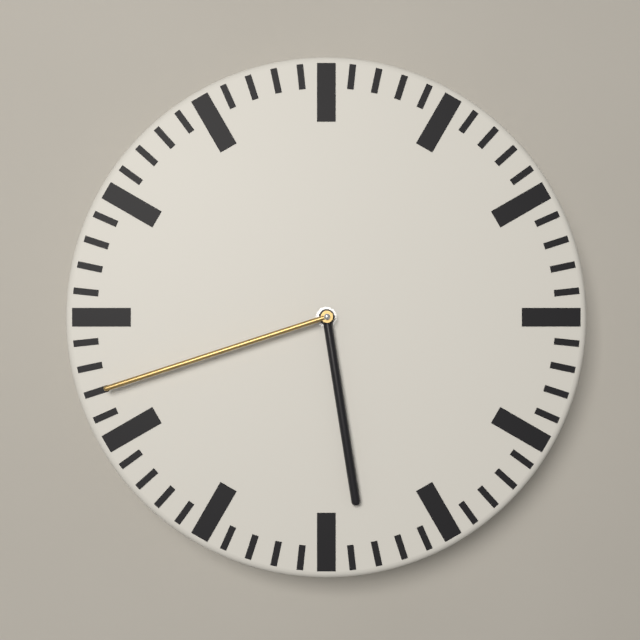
5:42
